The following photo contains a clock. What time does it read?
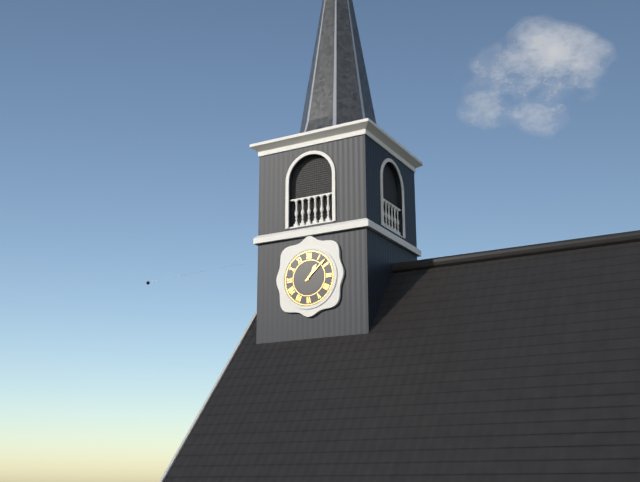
1:08
